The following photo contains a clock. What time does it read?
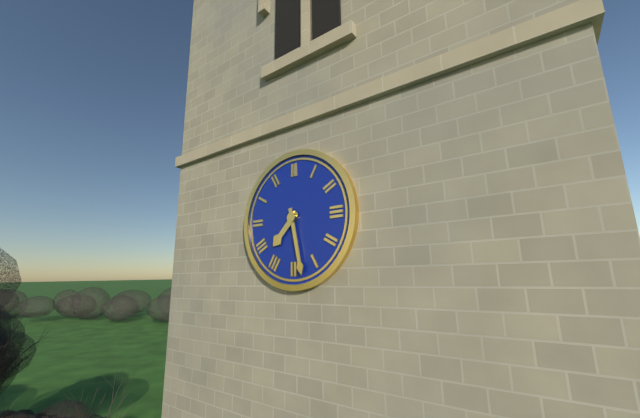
7:28
